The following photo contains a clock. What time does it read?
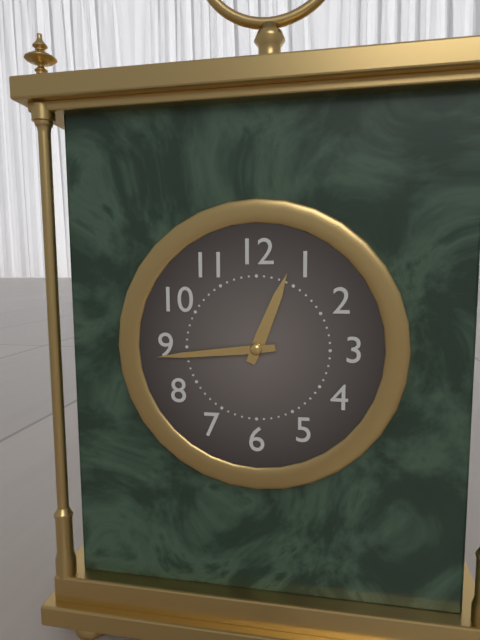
12:44
